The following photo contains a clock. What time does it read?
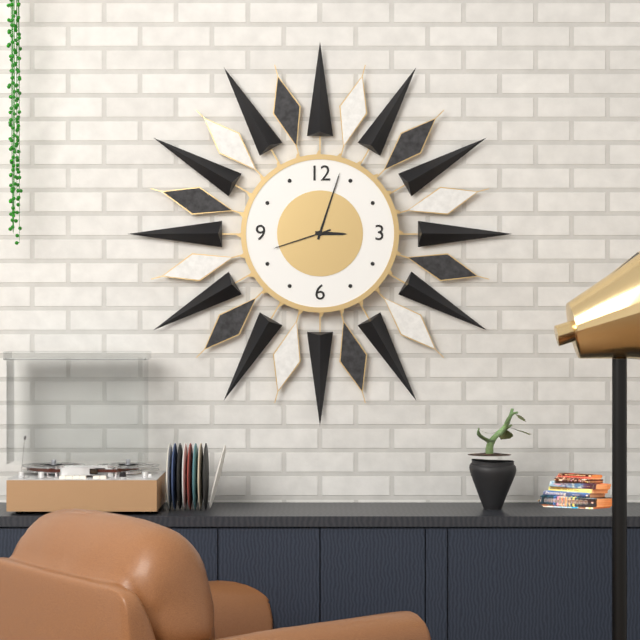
3:03:42
